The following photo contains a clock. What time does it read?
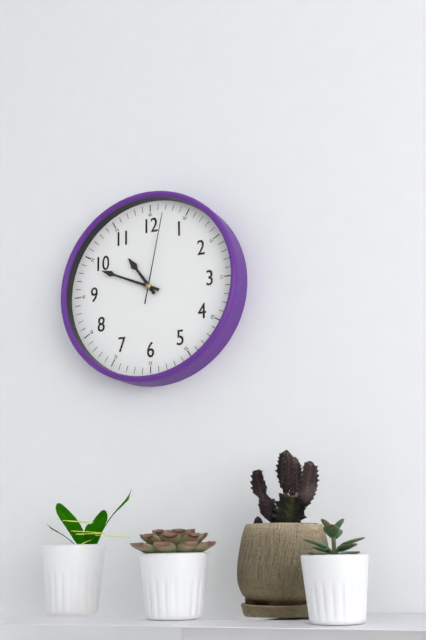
10:49:02
